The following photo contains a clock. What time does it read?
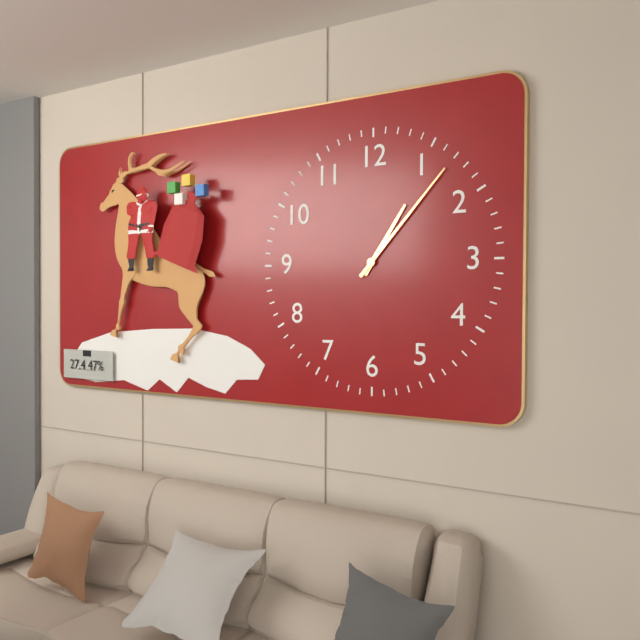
1:07
